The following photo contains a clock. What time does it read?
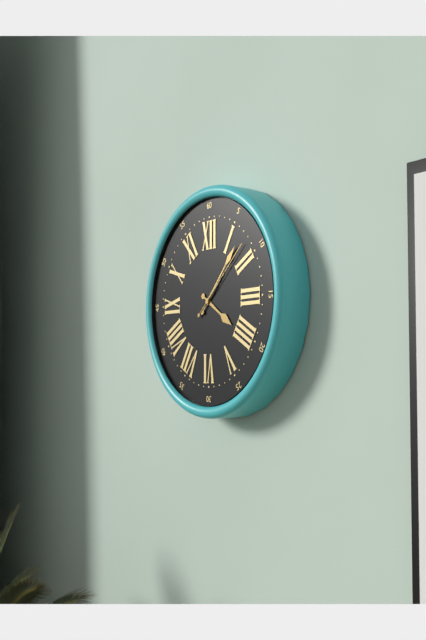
4:07:08
